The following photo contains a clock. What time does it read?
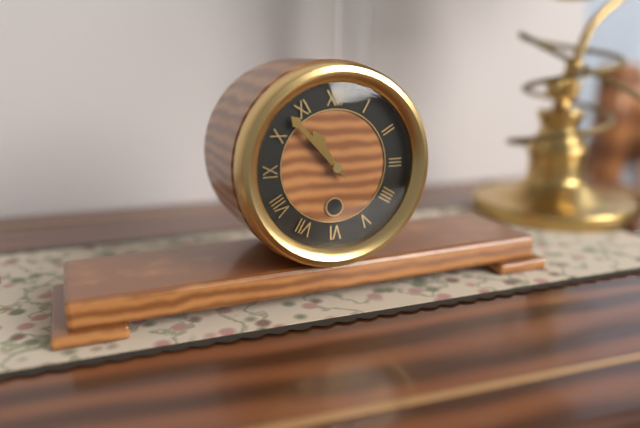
10:53
